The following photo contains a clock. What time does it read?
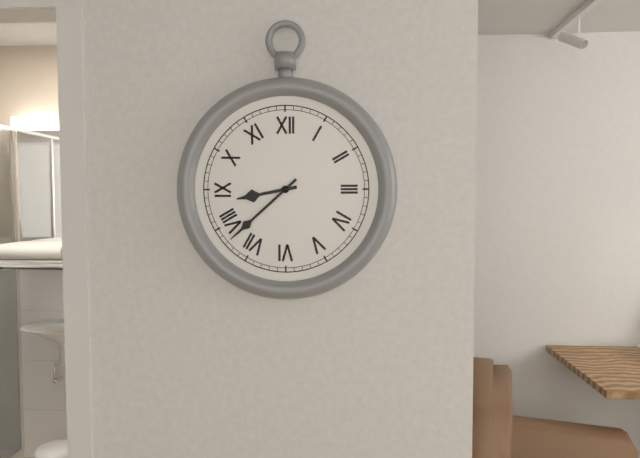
8:38
